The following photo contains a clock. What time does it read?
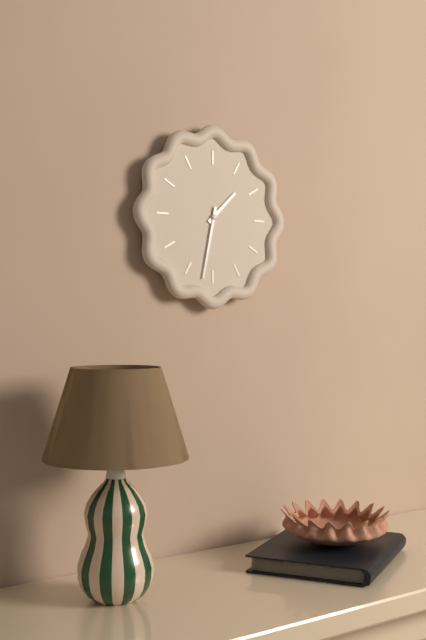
1:32
